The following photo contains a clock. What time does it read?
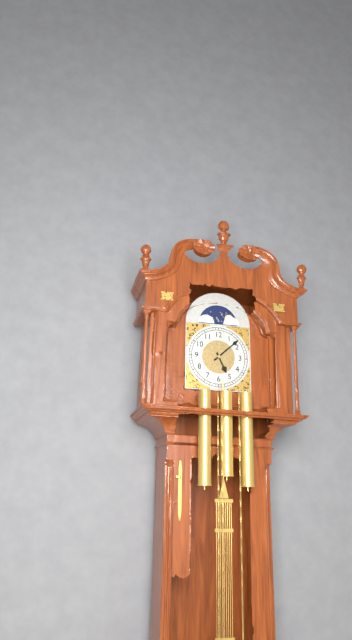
5:08
